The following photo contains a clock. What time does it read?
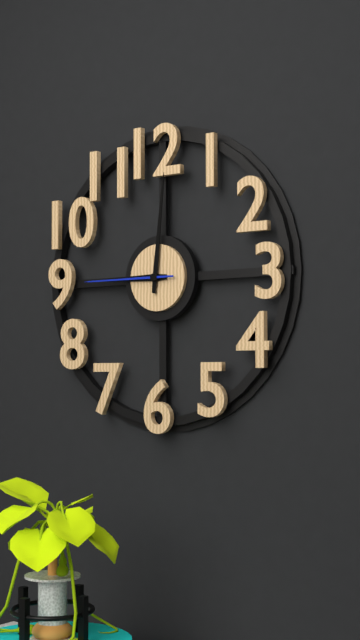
9:01:45
